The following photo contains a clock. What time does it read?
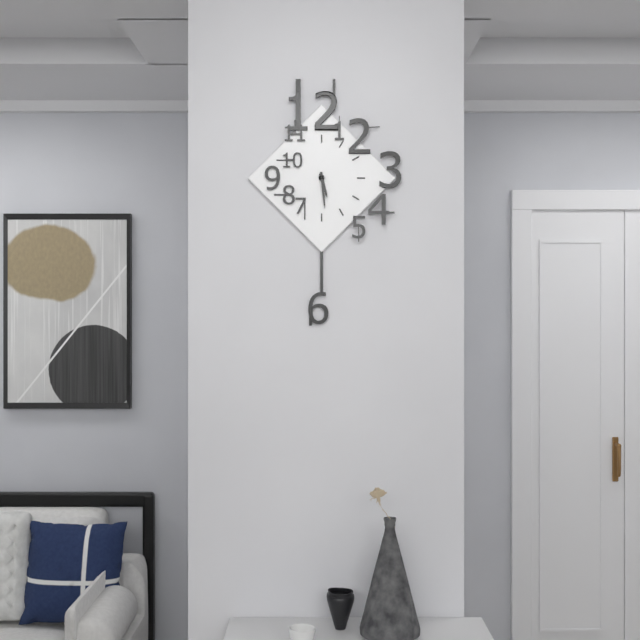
5:29
